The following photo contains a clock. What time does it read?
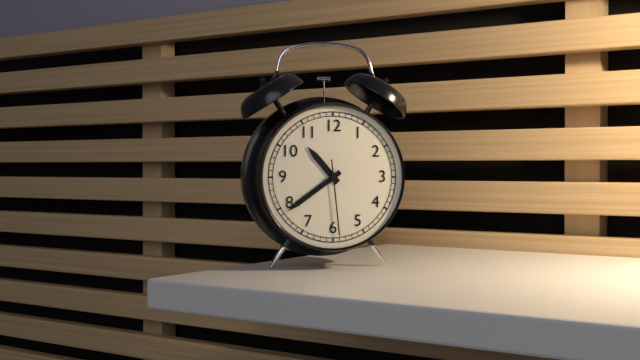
10:39:29
